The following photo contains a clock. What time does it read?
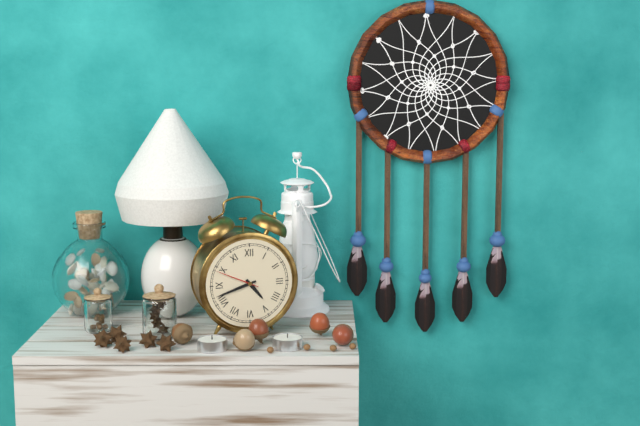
4:42
